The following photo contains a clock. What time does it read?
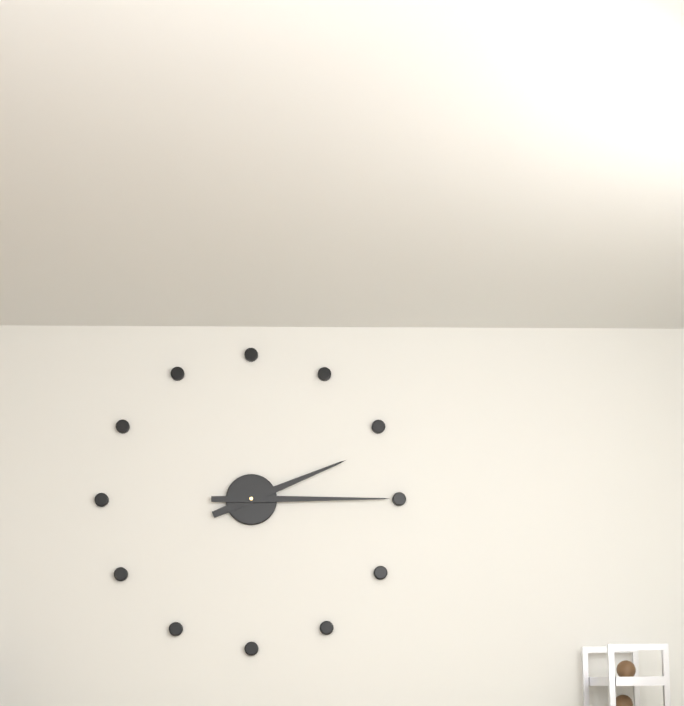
2:15
